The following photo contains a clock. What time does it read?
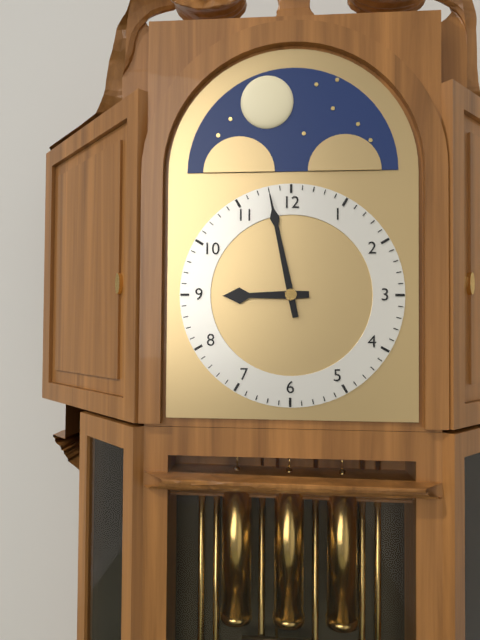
8:58
